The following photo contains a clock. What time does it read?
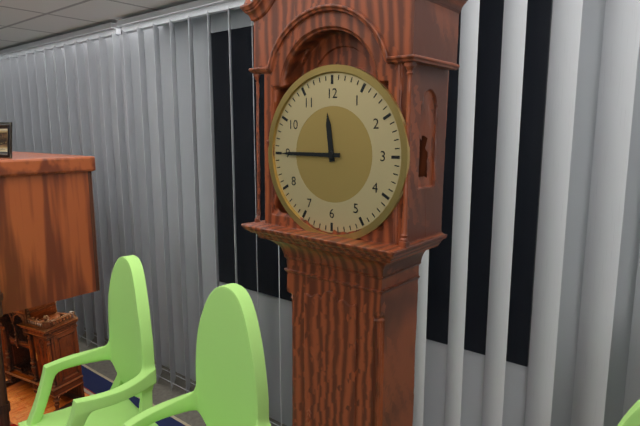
11:45
